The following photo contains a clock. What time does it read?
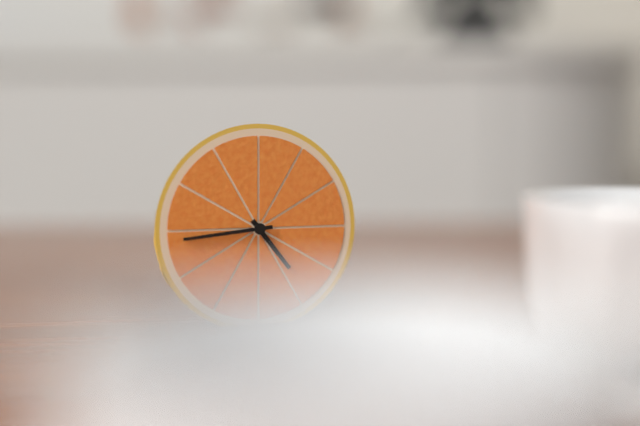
4:44
